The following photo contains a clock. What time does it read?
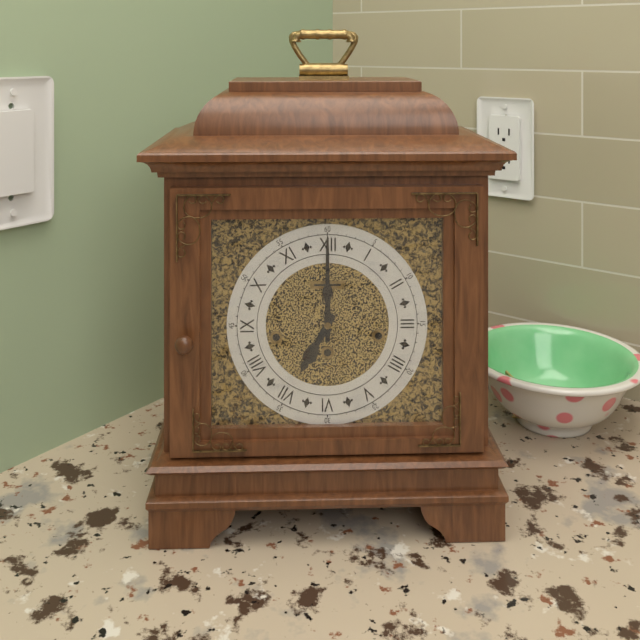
7:00
